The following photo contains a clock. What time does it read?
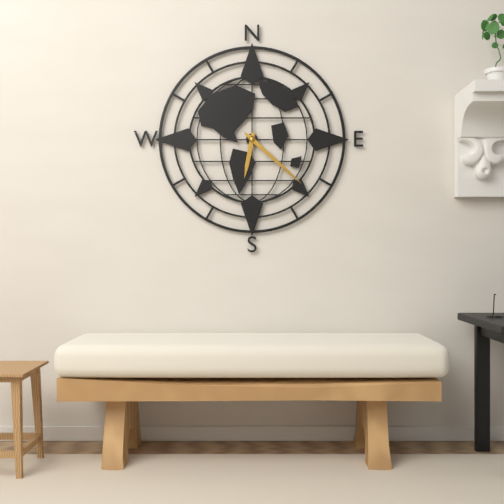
6:22
